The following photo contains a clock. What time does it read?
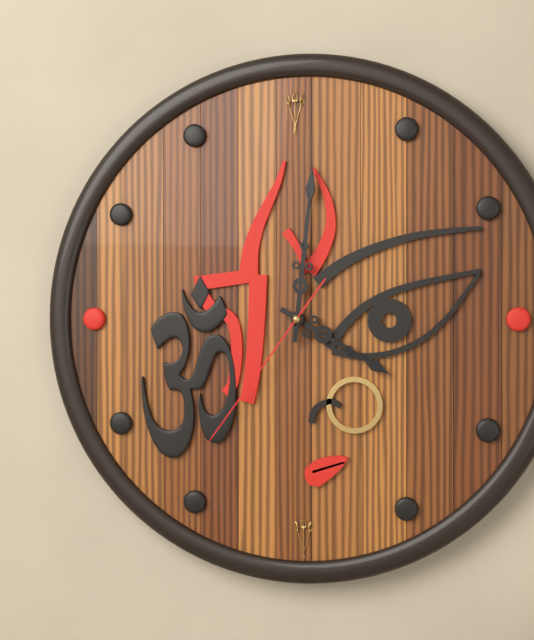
4:01:36
